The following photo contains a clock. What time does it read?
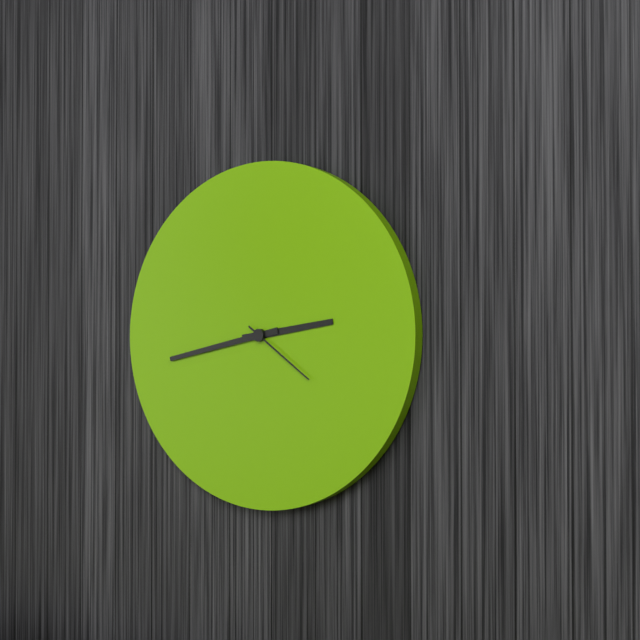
2:43:21
